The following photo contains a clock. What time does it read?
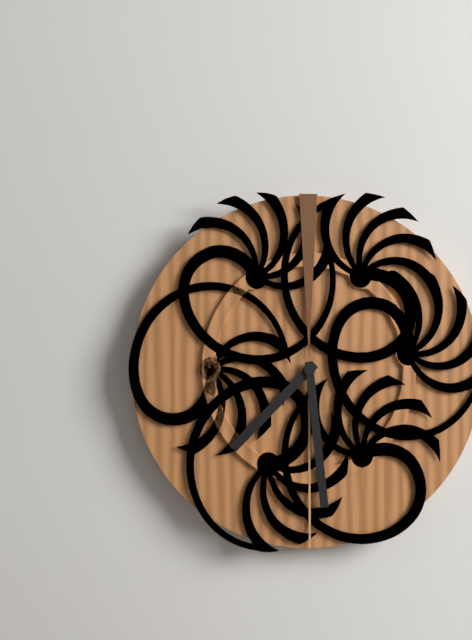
7:29
